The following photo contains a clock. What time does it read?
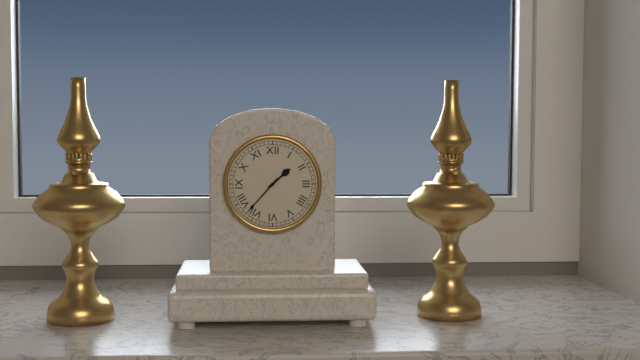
1:37
